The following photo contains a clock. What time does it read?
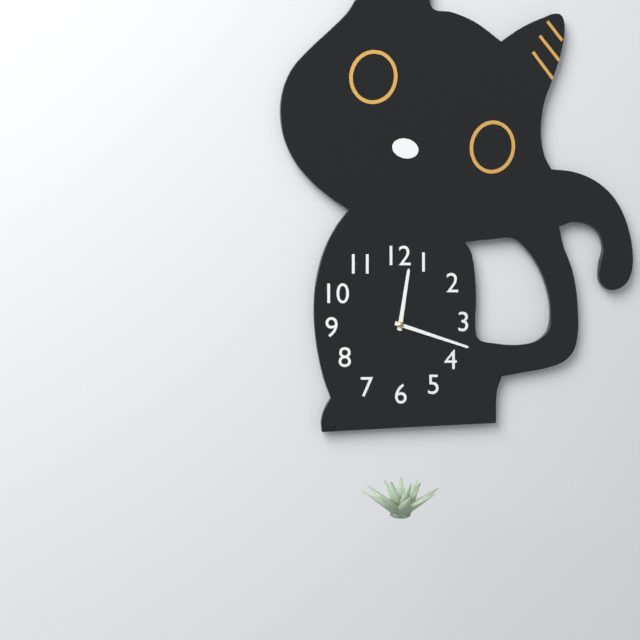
12:18
